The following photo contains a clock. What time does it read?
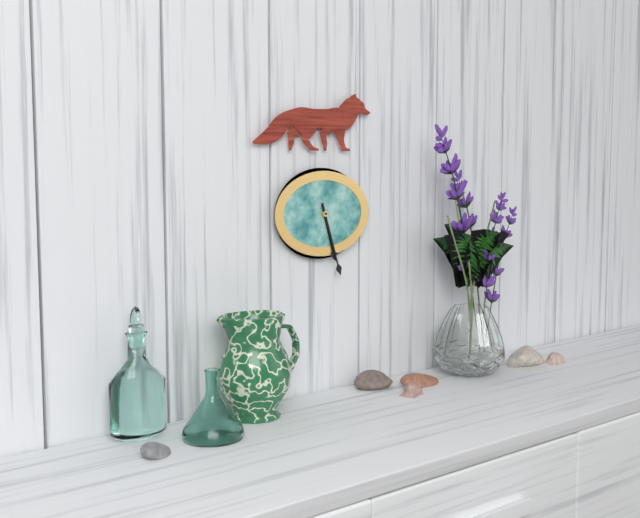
5:27
